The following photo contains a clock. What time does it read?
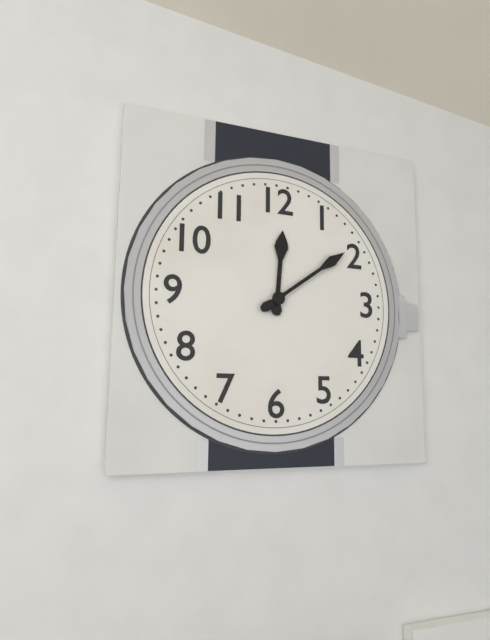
12:09
